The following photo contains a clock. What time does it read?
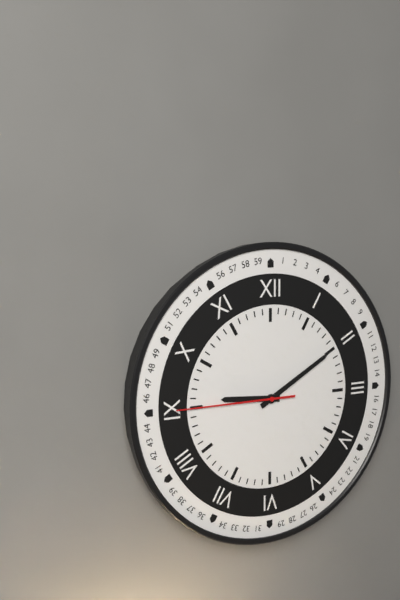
9:10:45
